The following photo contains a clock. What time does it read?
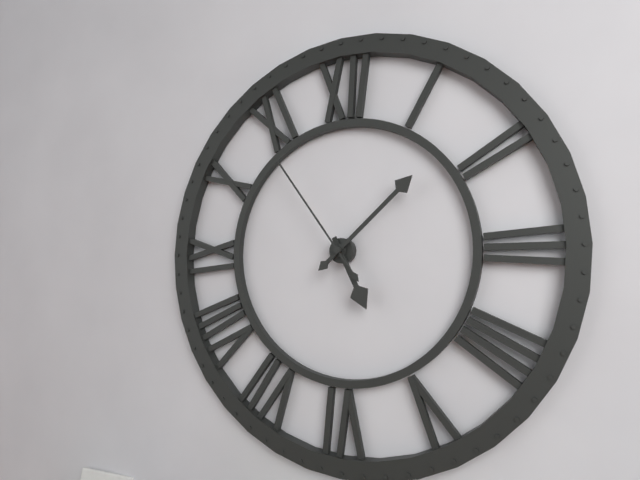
5:08:54
